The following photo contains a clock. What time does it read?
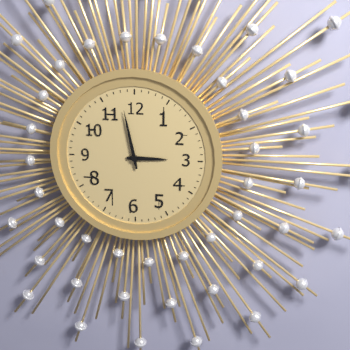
2:58
